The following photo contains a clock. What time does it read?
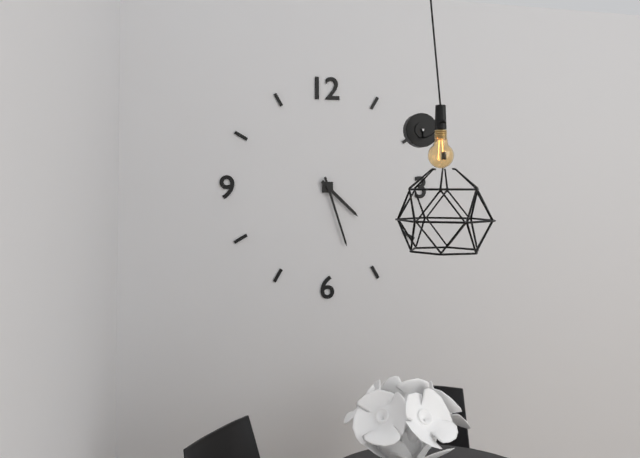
4:27
